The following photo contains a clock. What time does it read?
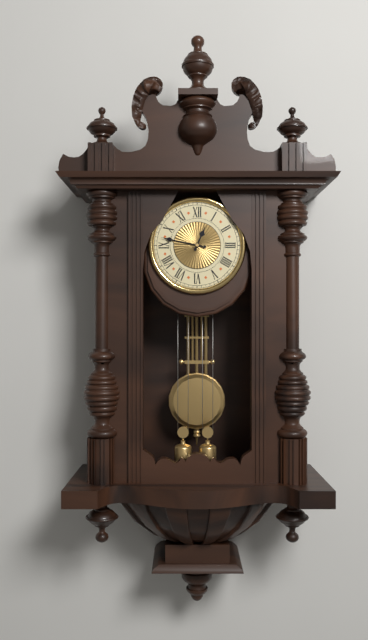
12:47
